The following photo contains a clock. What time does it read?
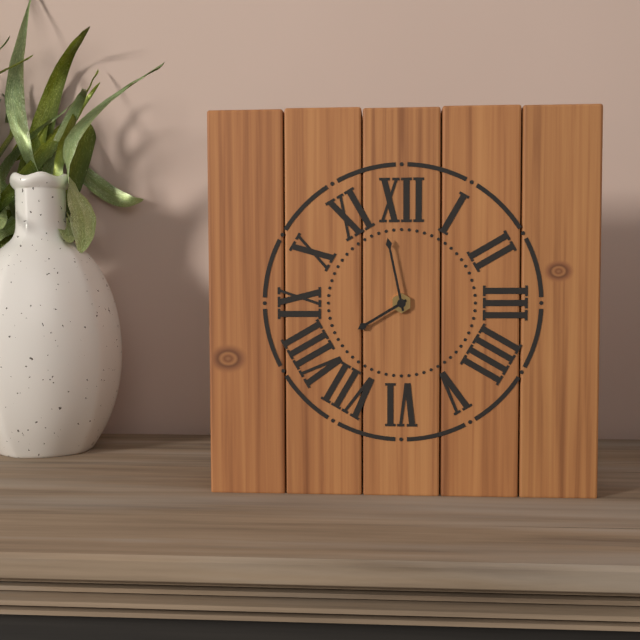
7:58
